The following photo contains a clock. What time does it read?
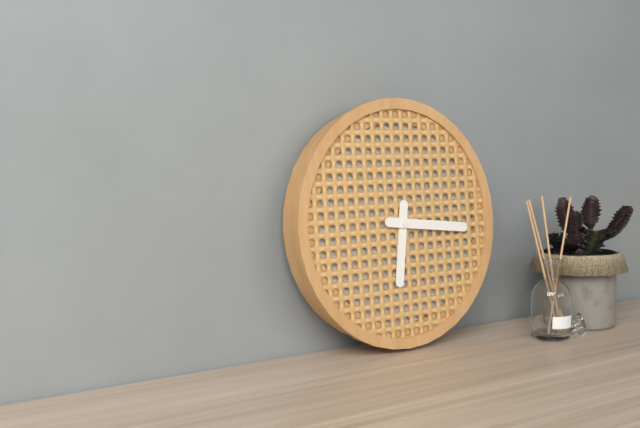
6:16
